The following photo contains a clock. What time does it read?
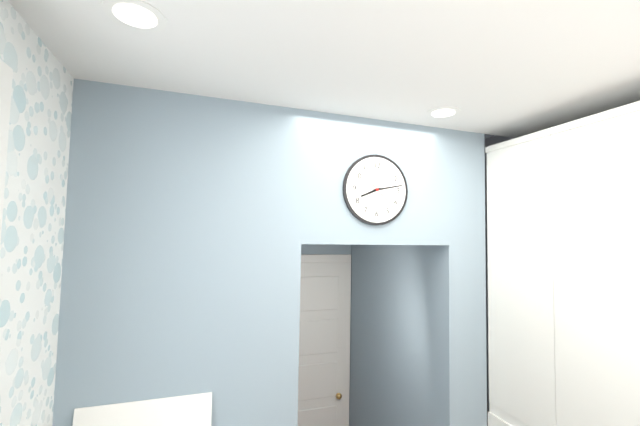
8:13
